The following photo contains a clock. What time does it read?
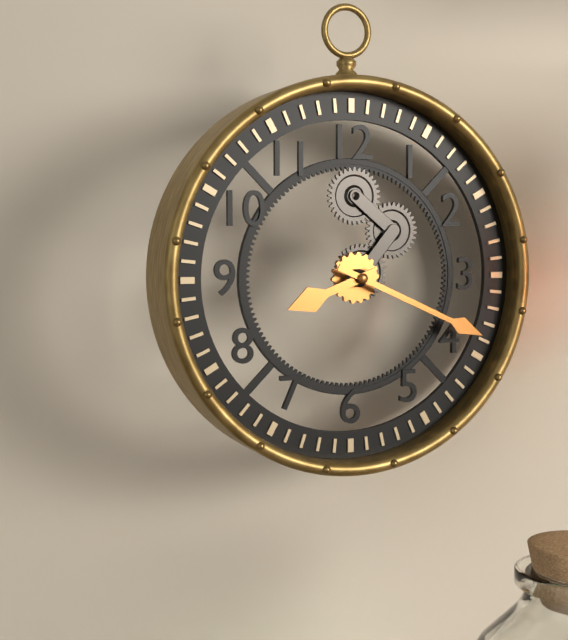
8:19
